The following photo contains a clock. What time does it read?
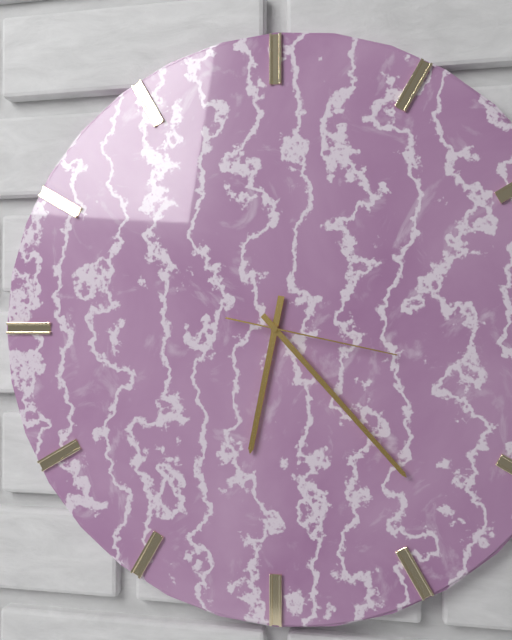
6:23:17
